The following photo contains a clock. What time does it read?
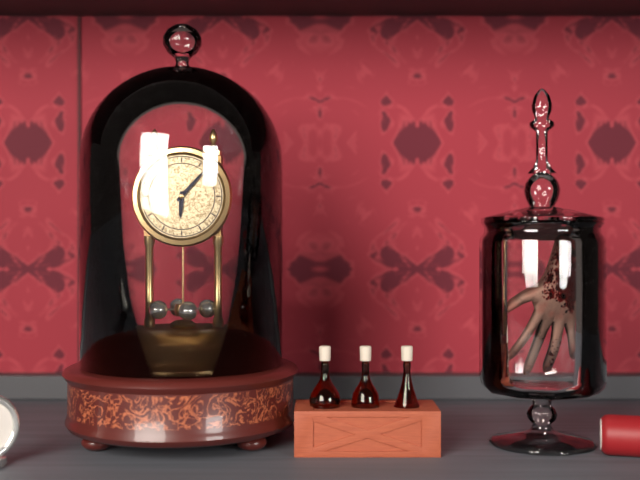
6:07
